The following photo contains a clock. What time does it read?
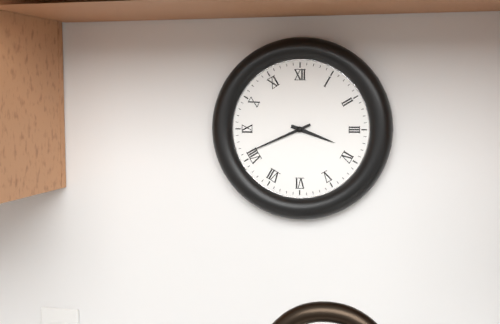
3:41
